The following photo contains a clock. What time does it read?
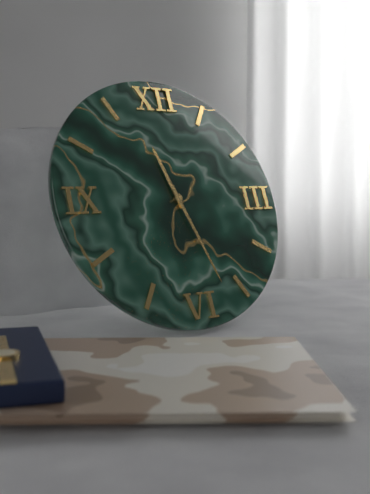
11:27
